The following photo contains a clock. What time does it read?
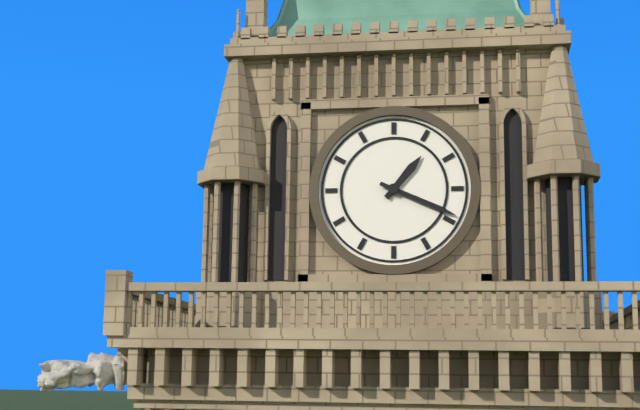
1:19
